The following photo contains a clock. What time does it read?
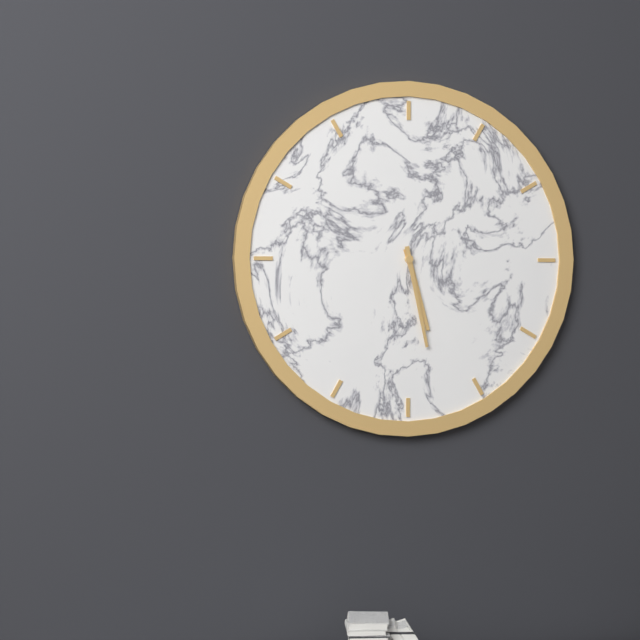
5:28
